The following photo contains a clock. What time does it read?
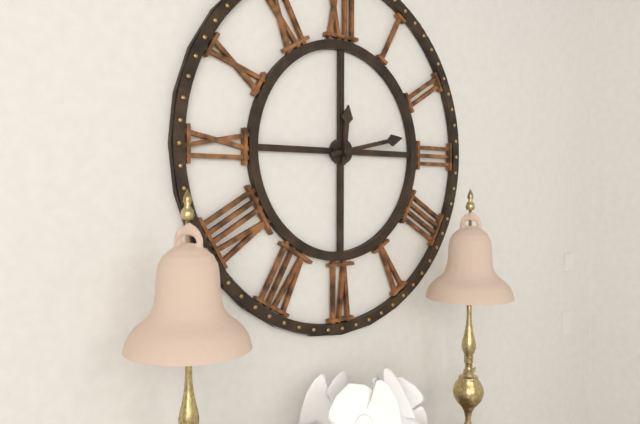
12:13
